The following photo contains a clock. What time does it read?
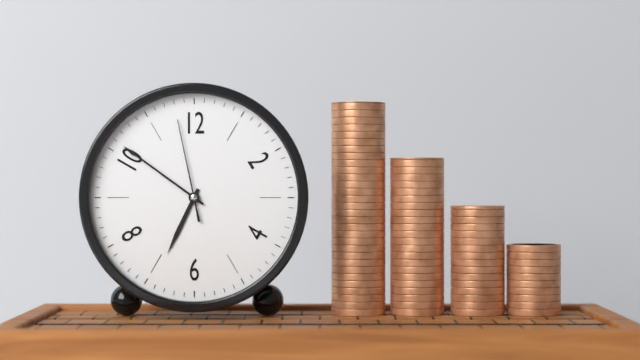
6:51:58
